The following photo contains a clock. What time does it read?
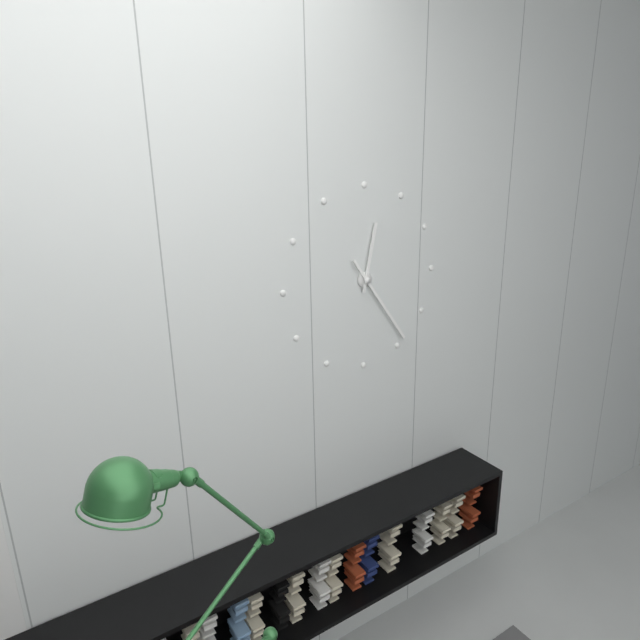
12:24
